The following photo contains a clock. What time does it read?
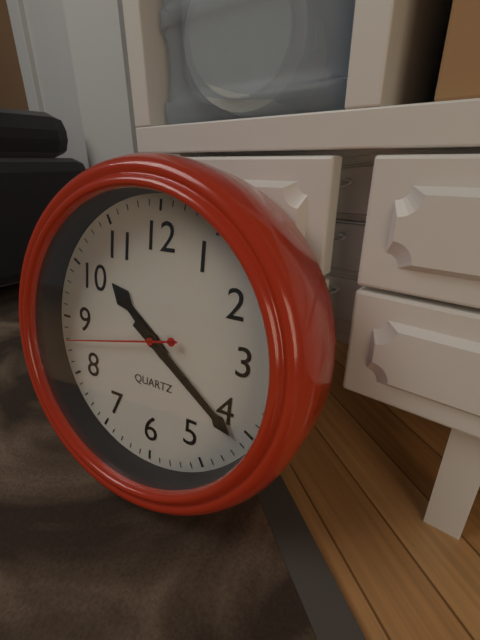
10:21:43
